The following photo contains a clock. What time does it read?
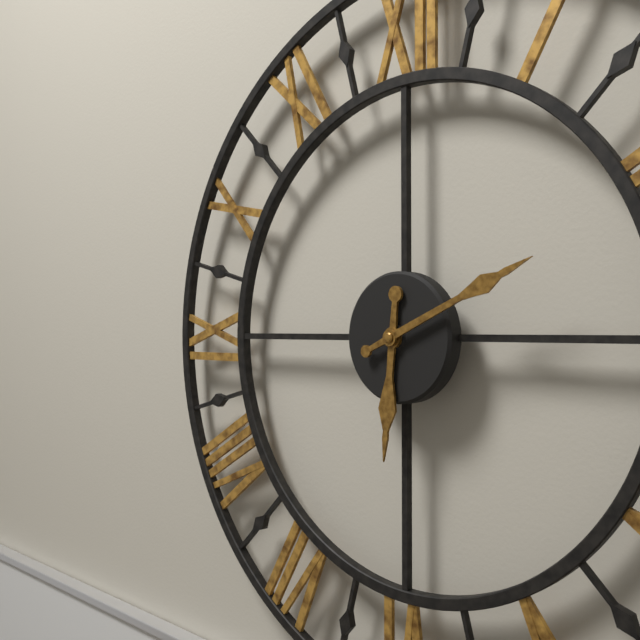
6:11
